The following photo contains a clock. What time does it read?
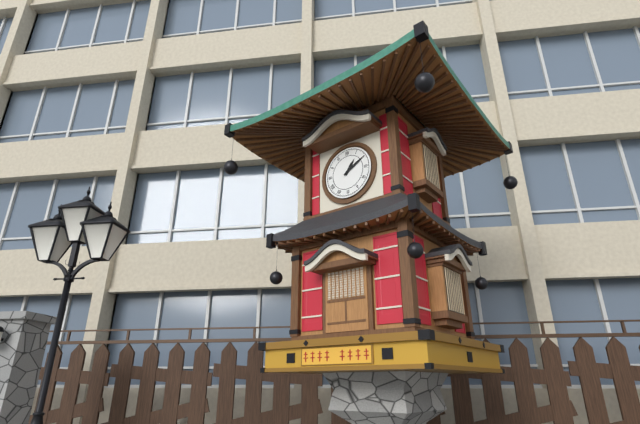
1:10
